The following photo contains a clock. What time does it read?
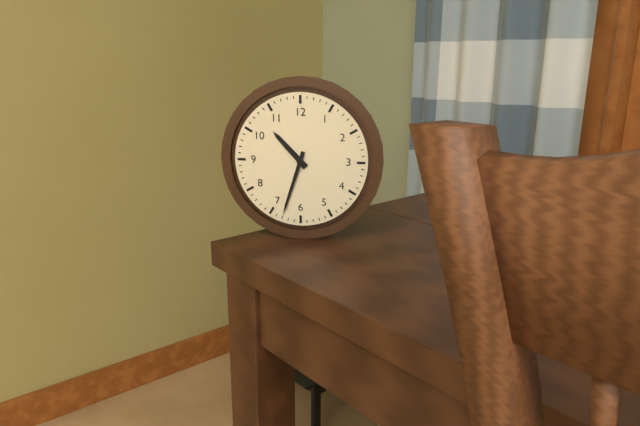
10:33
